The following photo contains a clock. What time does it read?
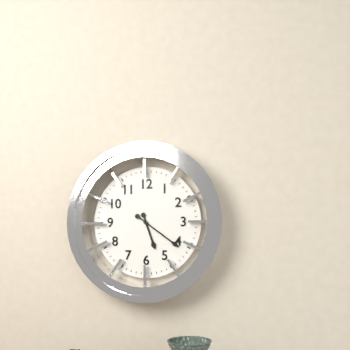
5:21
